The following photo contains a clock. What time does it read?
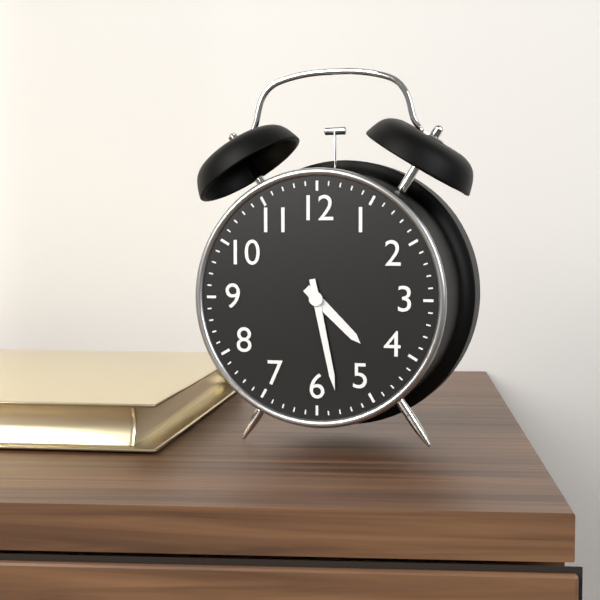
4:28
